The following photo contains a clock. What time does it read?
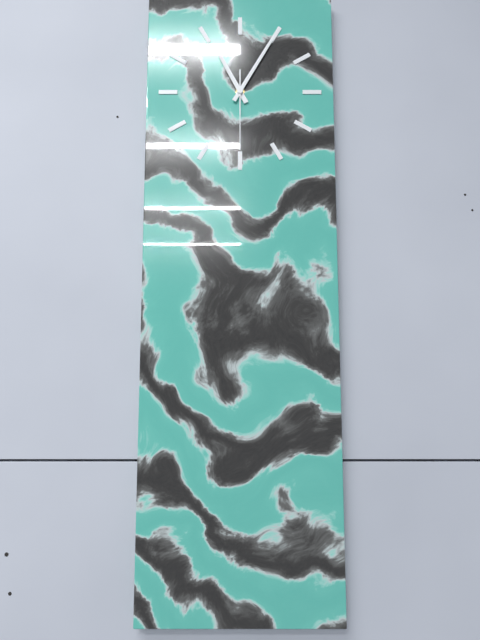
11:05:30
